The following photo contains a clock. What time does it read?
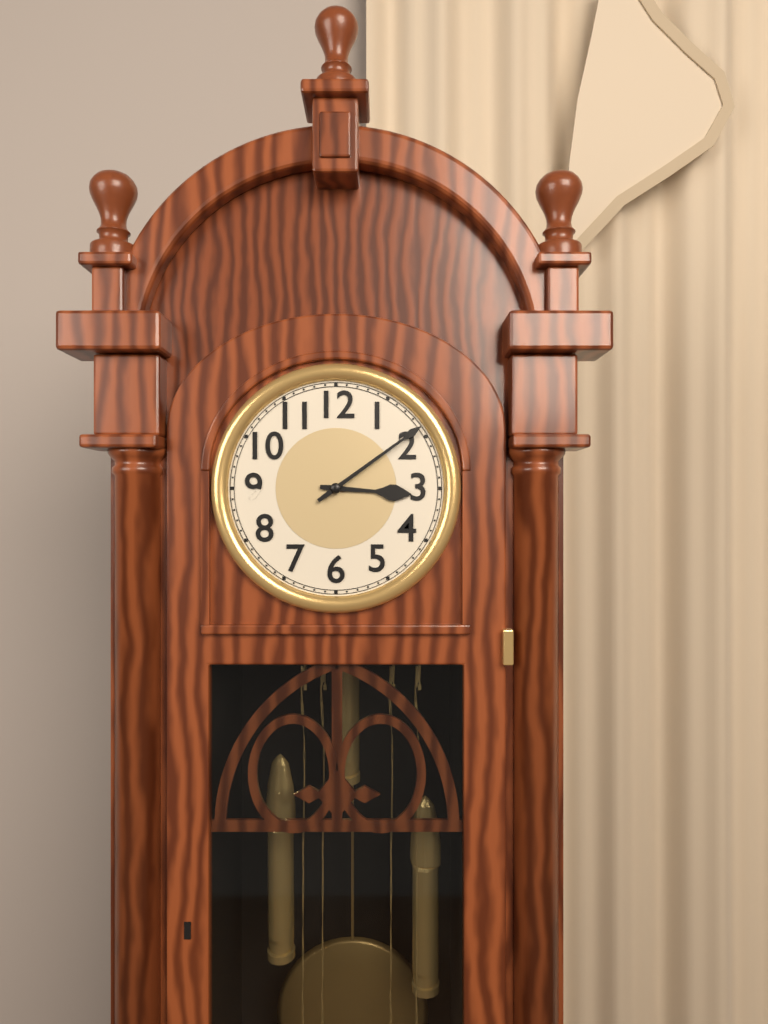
3:09
